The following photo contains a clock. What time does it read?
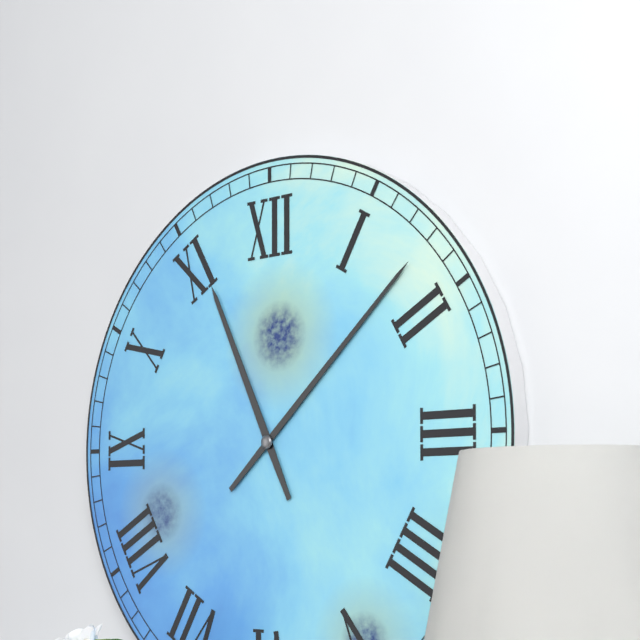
11:08
